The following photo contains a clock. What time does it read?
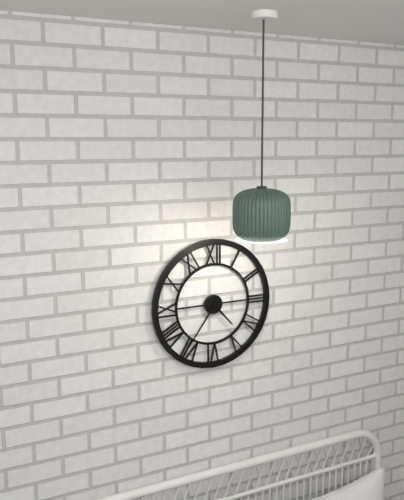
4:36
